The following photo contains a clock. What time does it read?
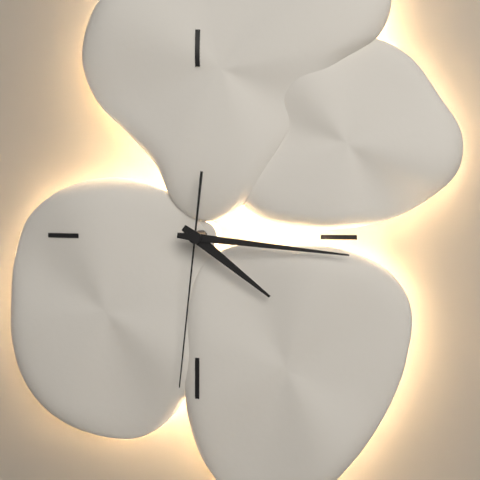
4:16:31
